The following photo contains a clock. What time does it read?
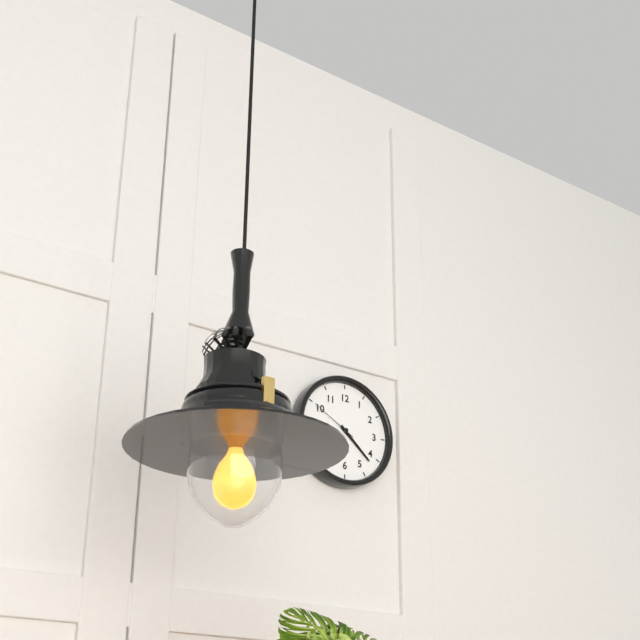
4:22:50
